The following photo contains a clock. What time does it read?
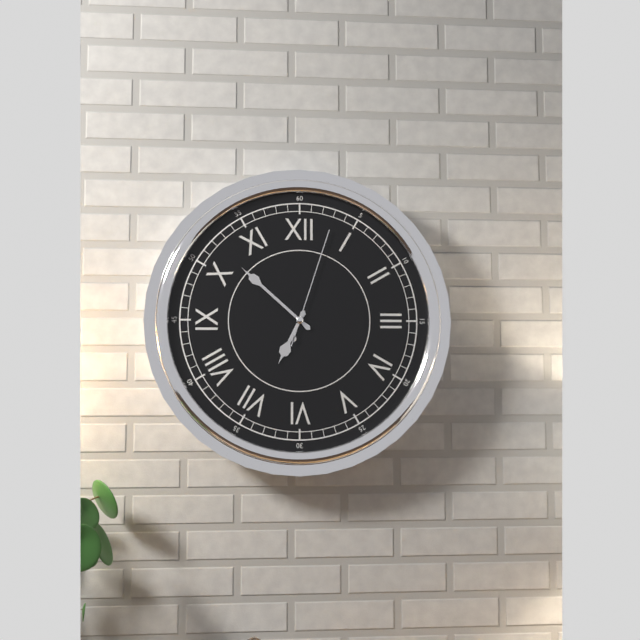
6:52:03
